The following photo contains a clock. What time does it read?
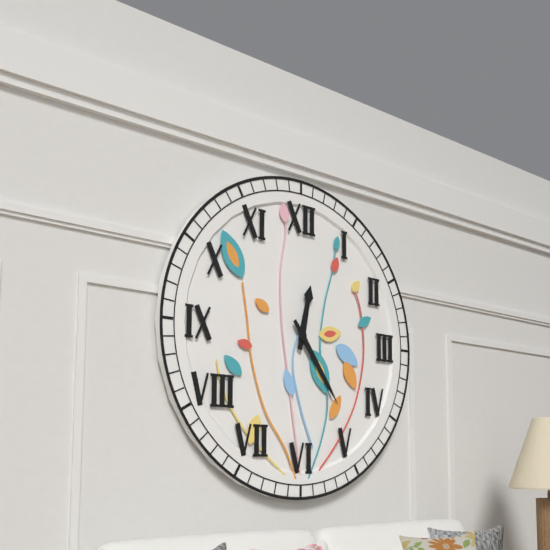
12:24
